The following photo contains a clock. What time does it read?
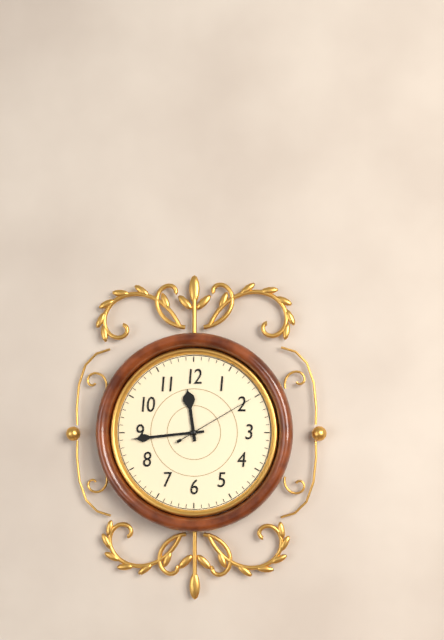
11:44:10
